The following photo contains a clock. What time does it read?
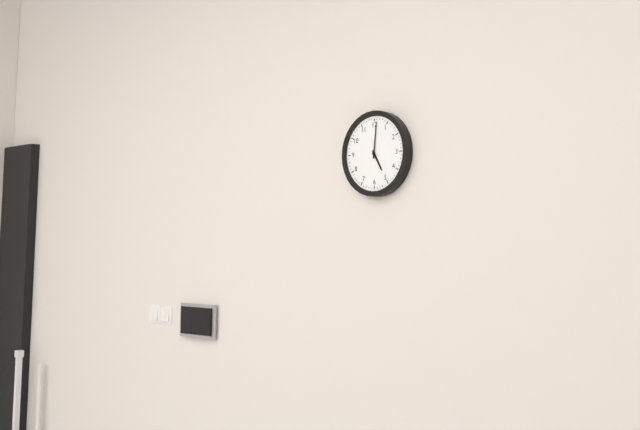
5:01
